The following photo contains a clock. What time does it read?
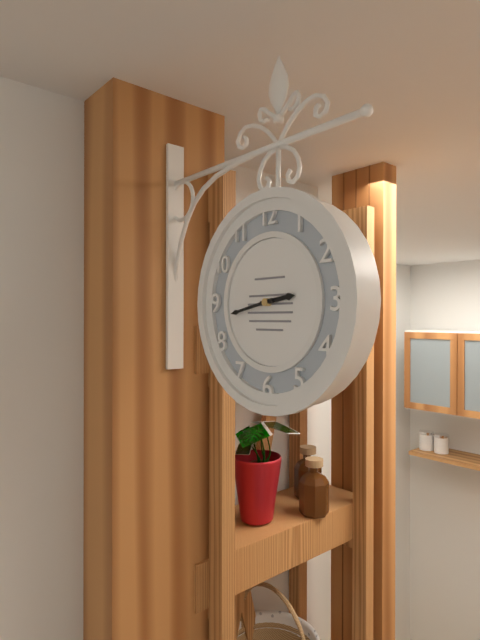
2:43
